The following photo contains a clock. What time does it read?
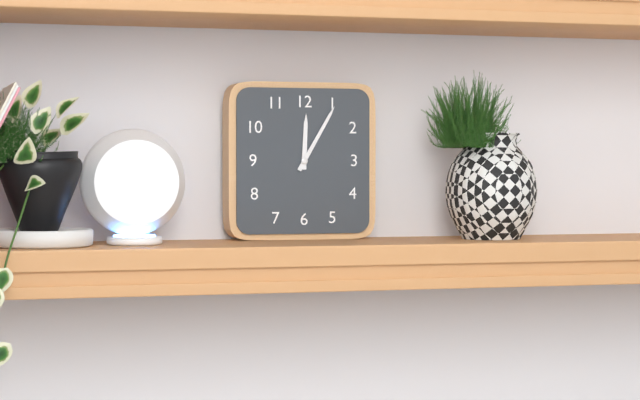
12:05
